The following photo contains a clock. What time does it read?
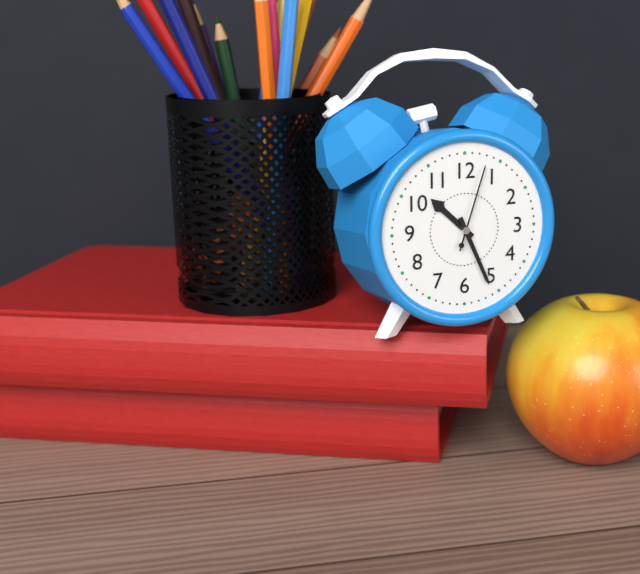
10:26:03
